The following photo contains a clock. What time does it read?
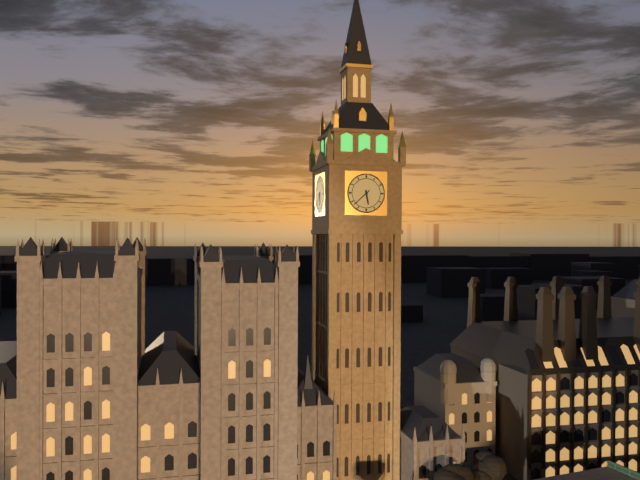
5:38
